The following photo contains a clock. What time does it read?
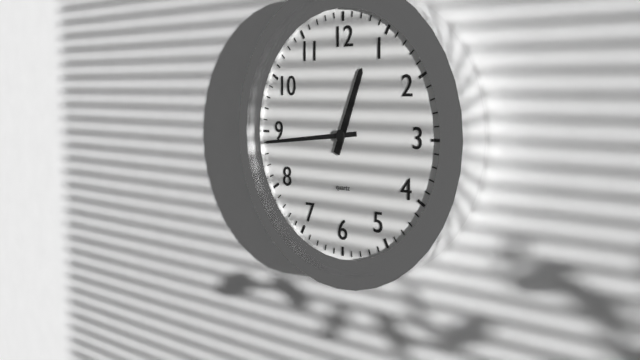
12:44
